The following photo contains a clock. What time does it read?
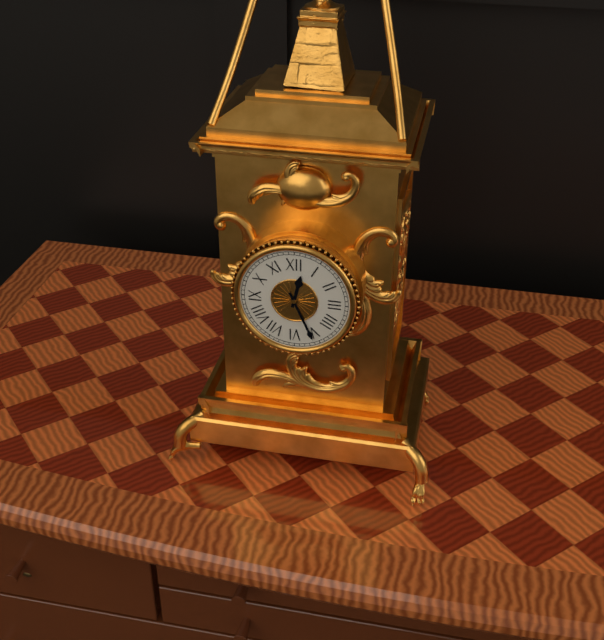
12:26
